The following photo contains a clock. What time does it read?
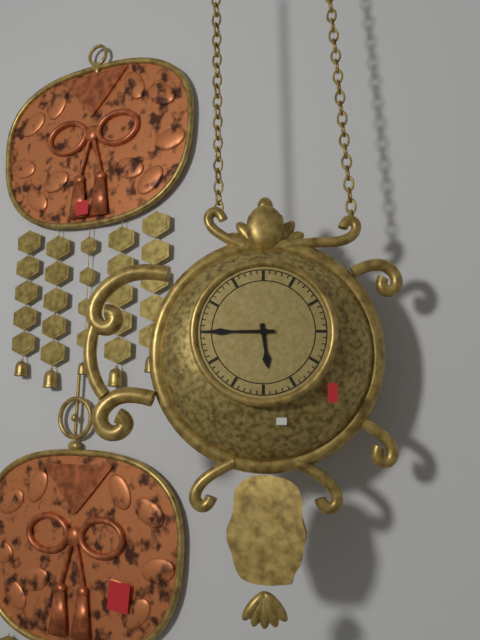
5:45
